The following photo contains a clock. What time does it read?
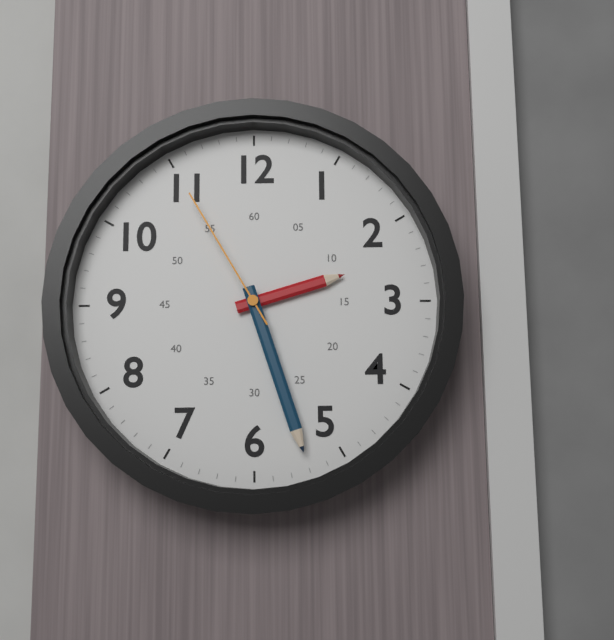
2:27:55
